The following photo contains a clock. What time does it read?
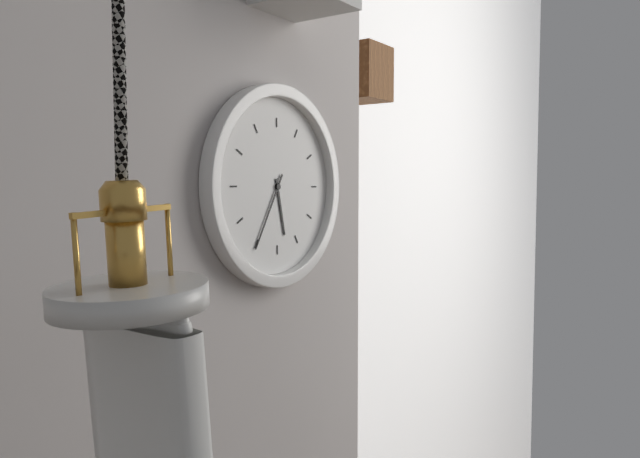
5:35
